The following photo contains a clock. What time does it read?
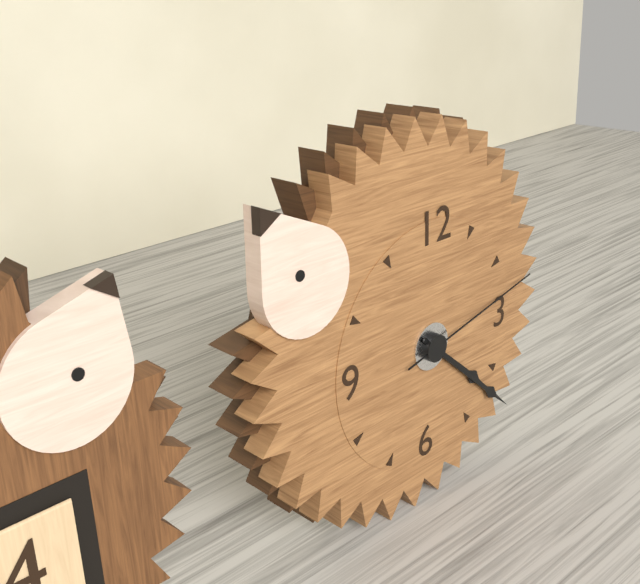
4:22:13
